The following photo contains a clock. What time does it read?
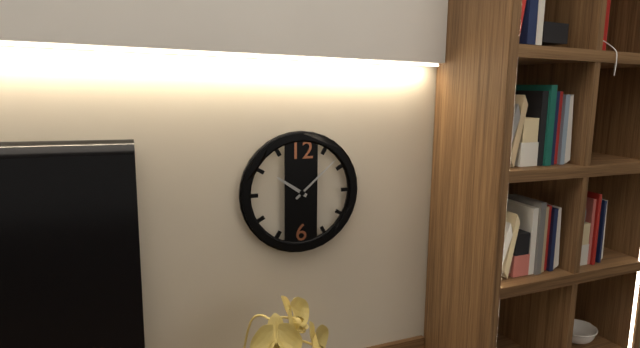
10:08
